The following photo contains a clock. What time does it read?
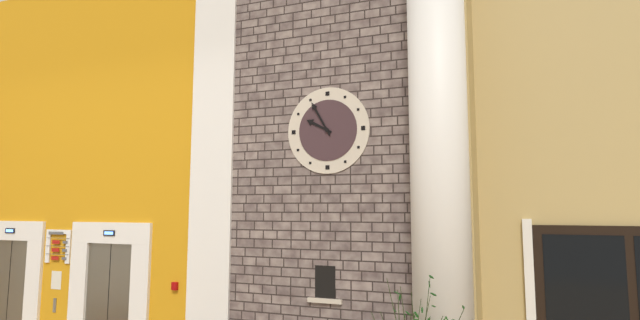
9:55
